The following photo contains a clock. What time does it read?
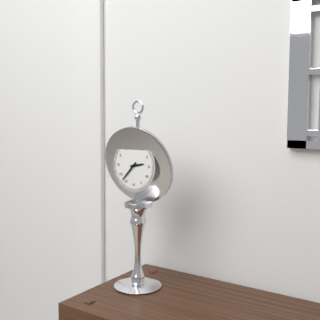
2:37
